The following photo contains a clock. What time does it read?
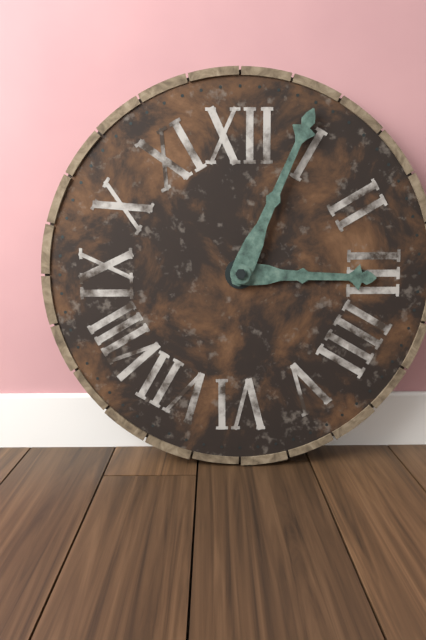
3:04
